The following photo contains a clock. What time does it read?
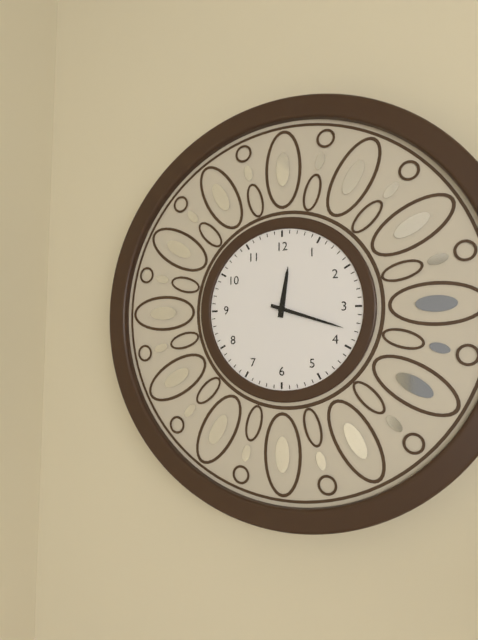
12:18
